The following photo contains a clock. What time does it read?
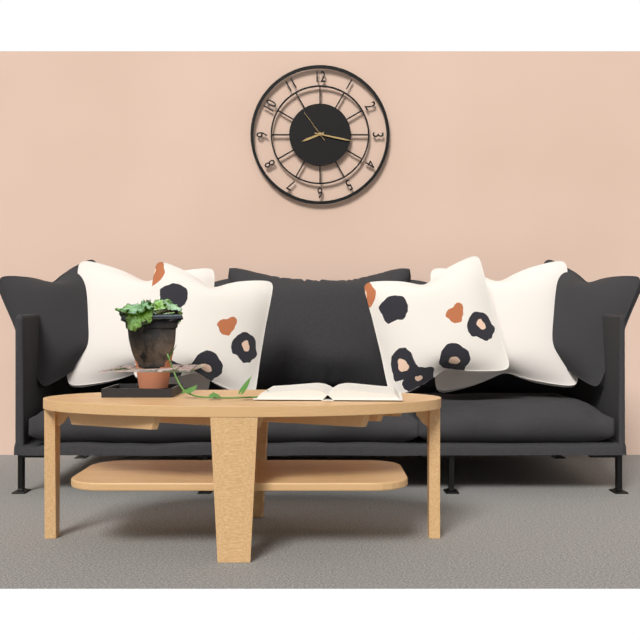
8:17
